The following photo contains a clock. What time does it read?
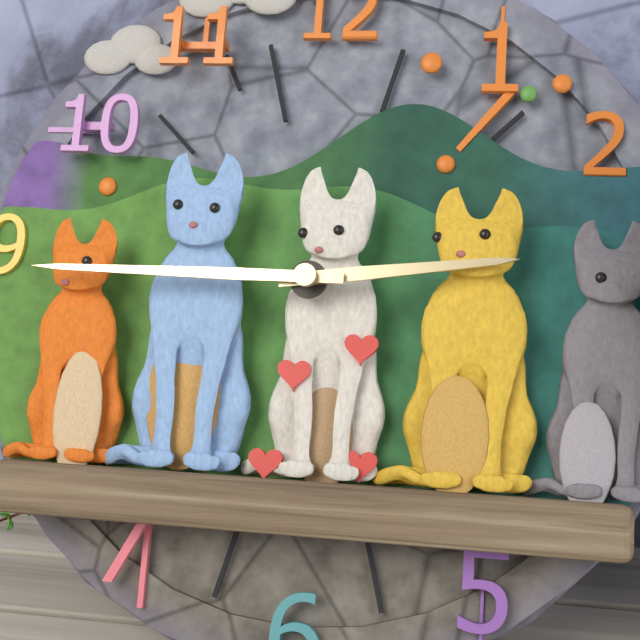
2:45
